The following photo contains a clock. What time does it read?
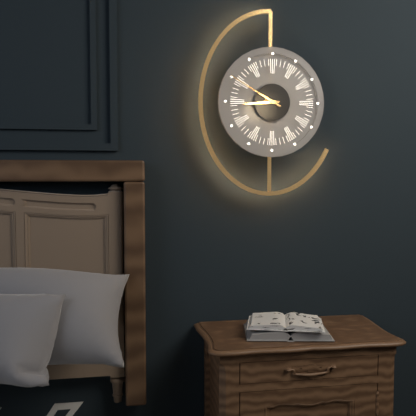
8:50
